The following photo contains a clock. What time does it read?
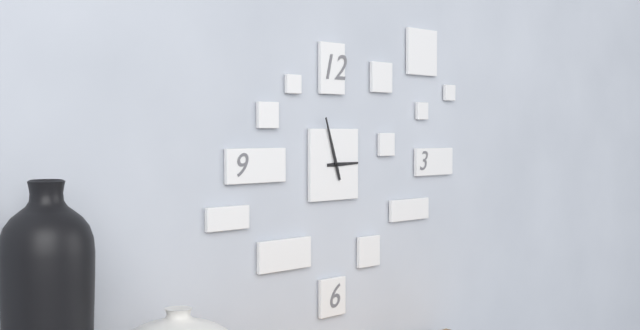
2:57
